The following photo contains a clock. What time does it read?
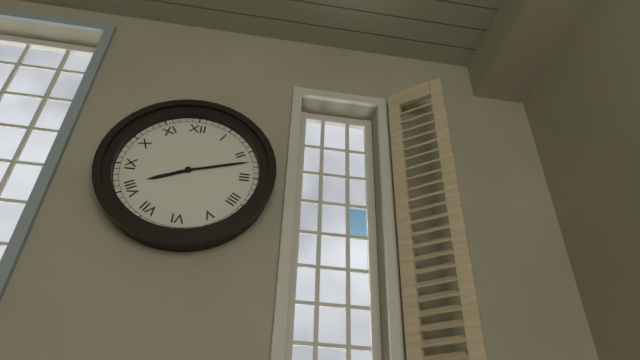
8:12
